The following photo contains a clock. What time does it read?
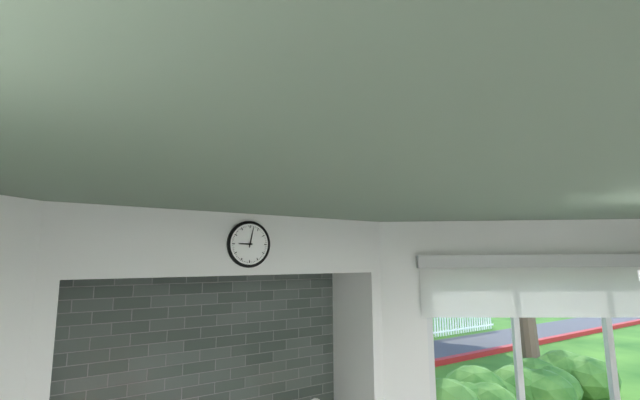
9:02
